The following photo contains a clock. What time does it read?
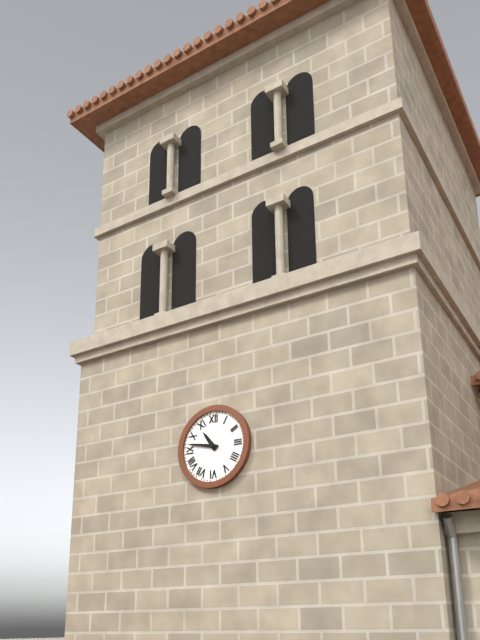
10:47
